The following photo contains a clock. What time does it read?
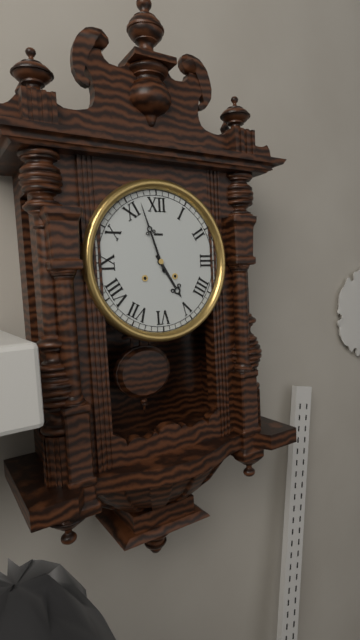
4:57
